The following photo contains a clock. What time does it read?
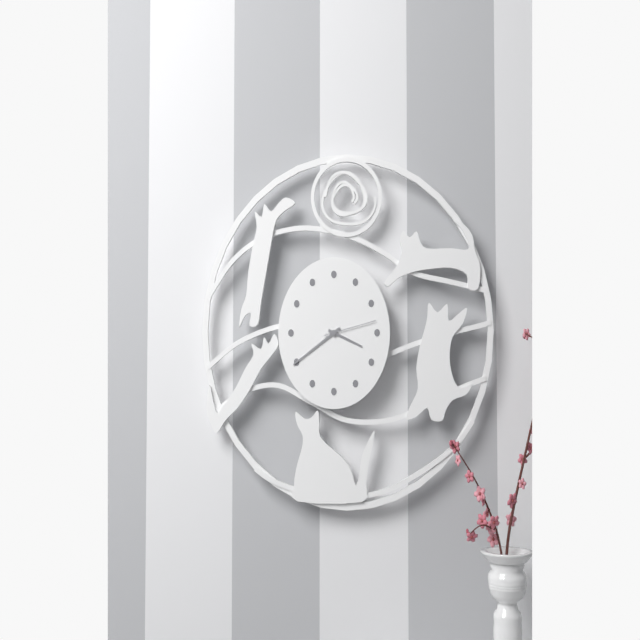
3:40:13
